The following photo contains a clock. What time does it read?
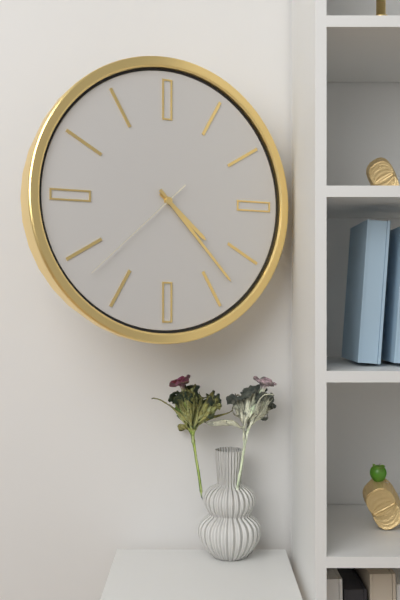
4:23:38
